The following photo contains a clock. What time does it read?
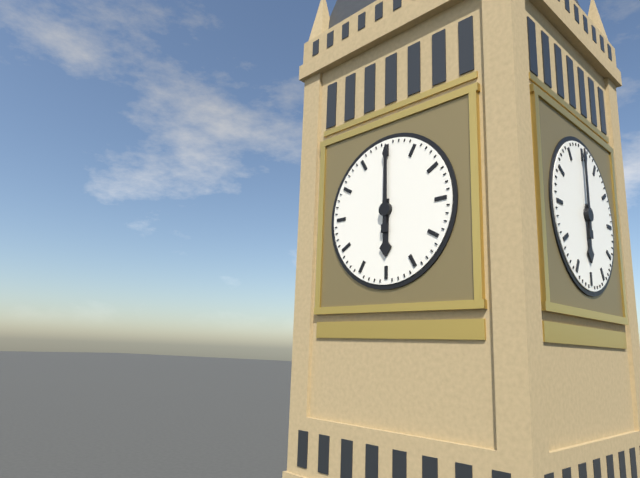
6:00
